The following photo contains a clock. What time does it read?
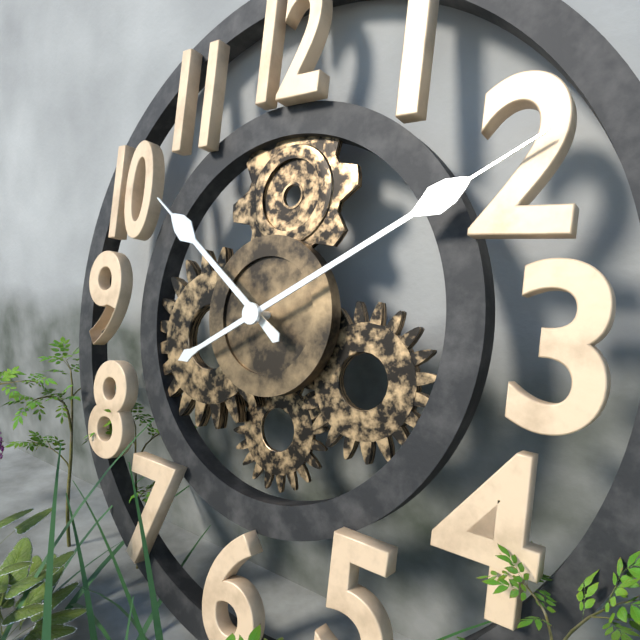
10:10
